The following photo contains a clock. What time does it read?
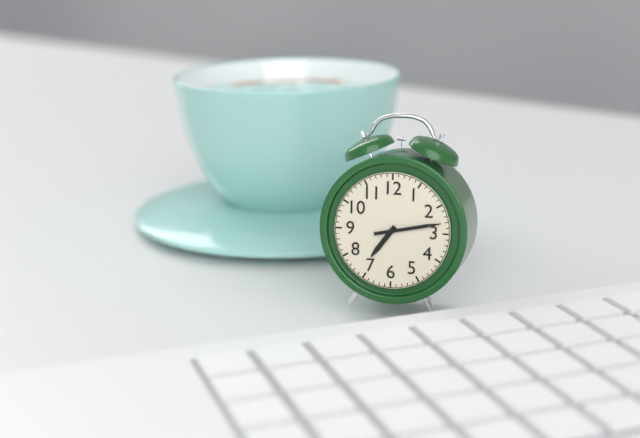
7:13
